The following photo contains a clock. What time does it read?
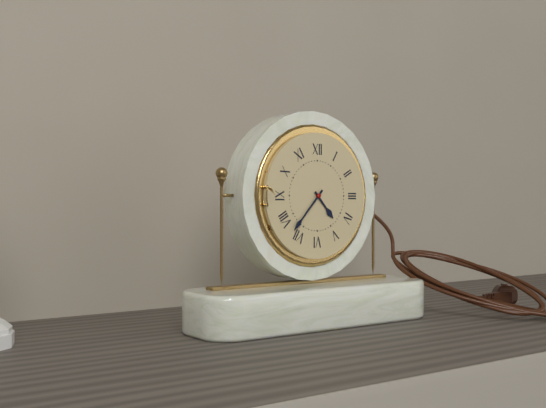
4:37
